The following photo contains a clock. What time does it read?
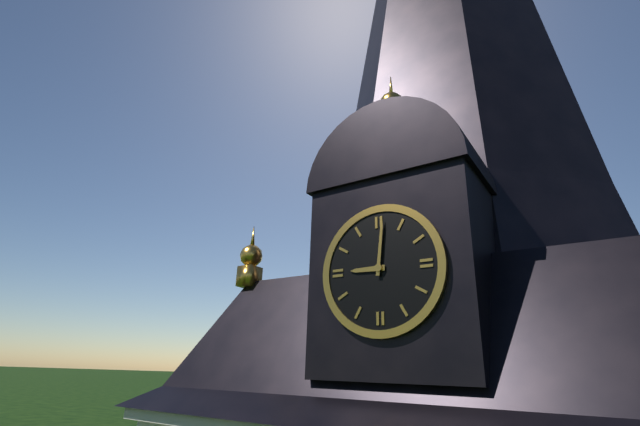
9:01
